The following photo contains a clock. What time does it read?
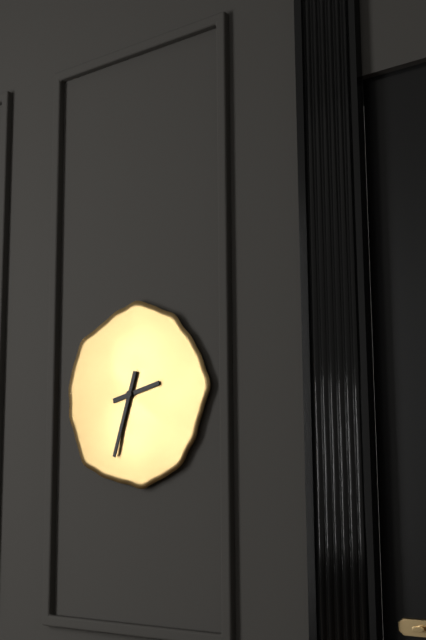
2:33
